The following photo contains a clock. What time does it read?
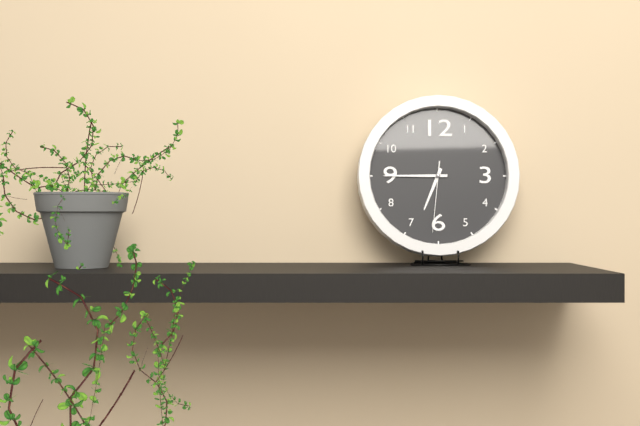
6:45:31
